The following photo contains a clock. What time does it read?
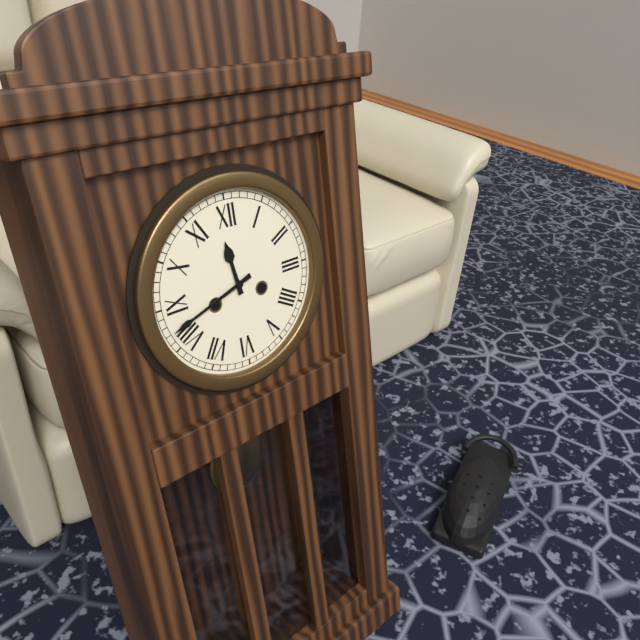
11:42
